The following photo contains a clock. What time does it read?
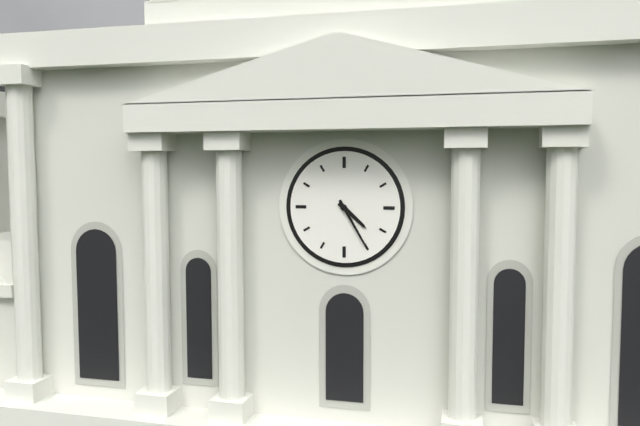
4:25
